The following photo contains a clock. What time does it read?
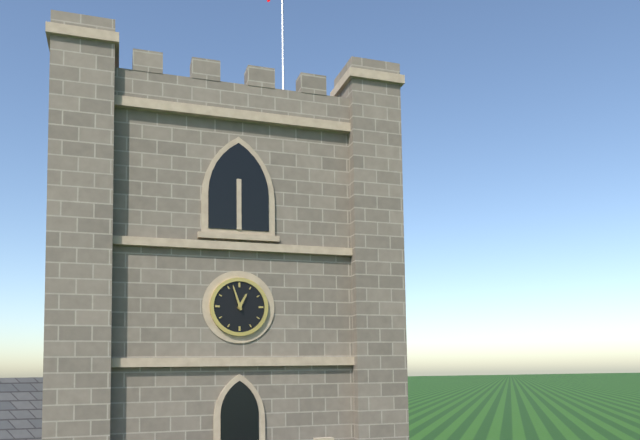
12:57
